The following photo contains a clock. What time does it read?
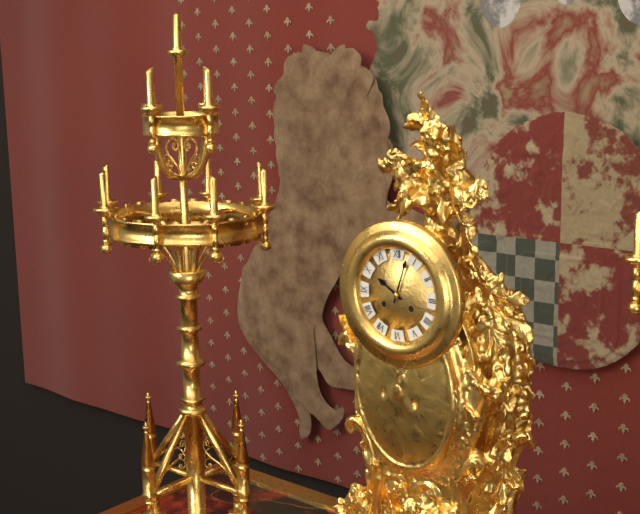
10:03
